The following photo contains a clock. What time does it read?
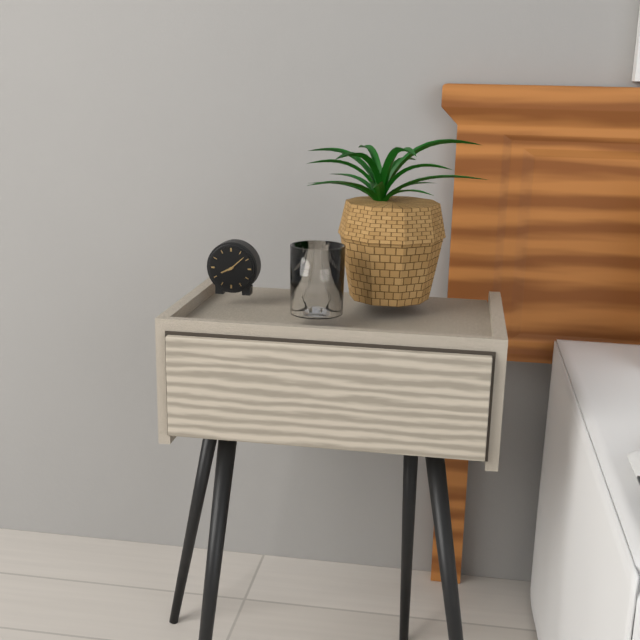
8:08
